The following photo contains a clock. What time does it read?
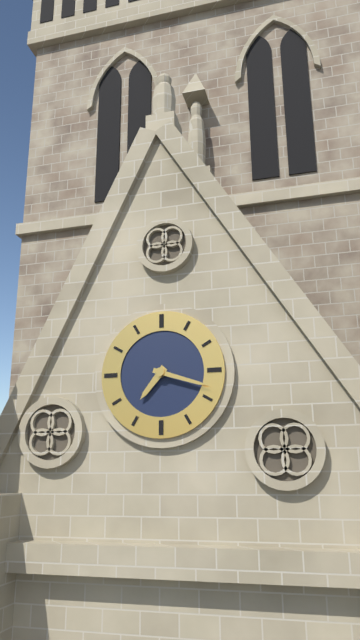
7:18
